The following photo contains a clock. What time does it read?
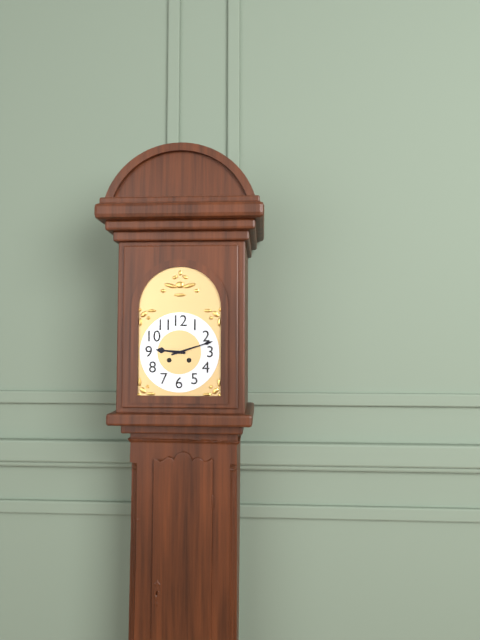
9:12
